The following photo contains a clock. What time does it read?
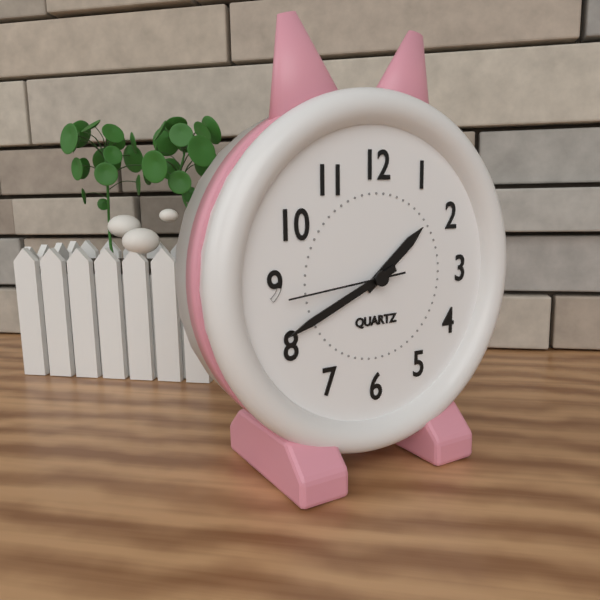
1:41:44
